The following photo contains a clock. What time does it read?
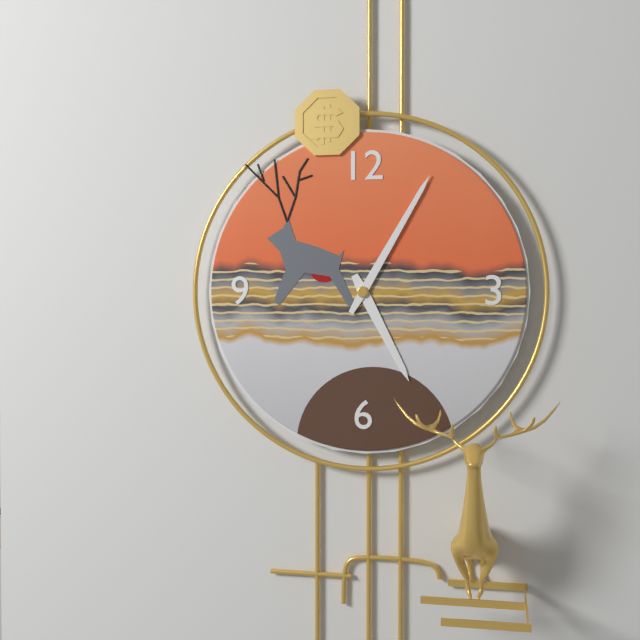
5:05
